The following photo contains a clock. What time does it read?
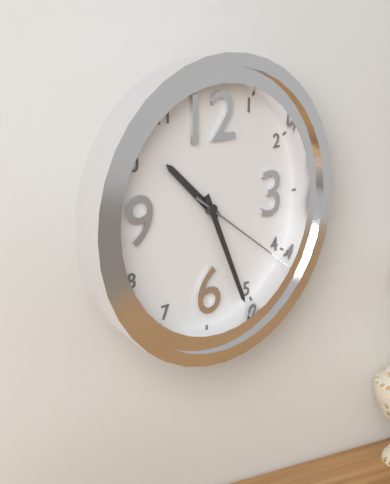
10:26:21
